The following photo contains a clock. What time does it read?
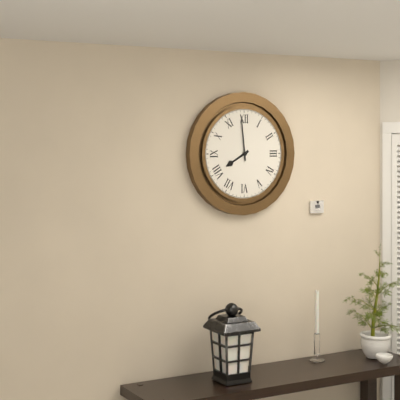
7:59
